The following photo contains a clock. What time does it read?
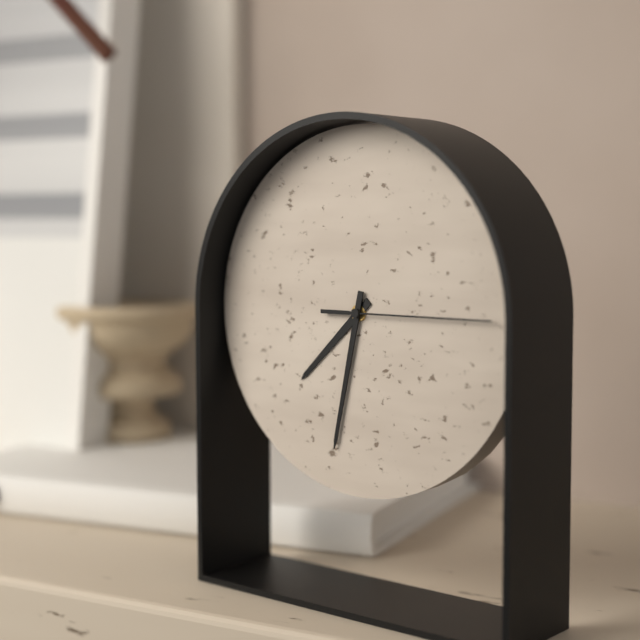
7:32:15
